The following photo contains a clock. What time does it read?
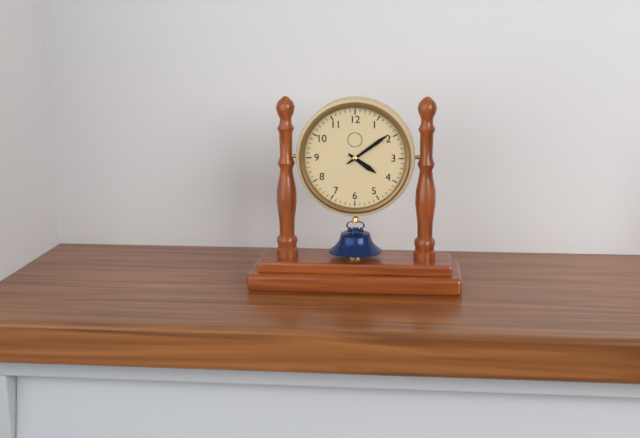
4:09
